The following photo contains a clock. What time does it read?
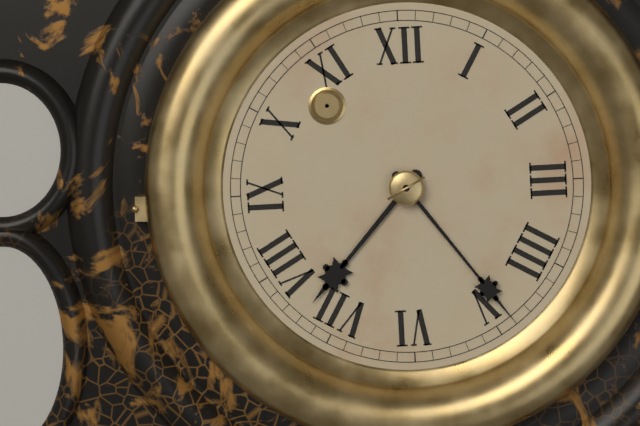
7:24
